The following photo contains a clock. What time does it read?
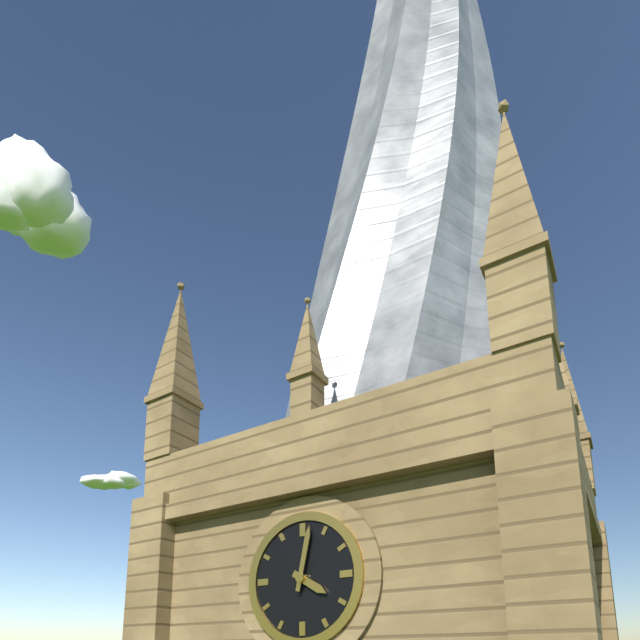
4:02
